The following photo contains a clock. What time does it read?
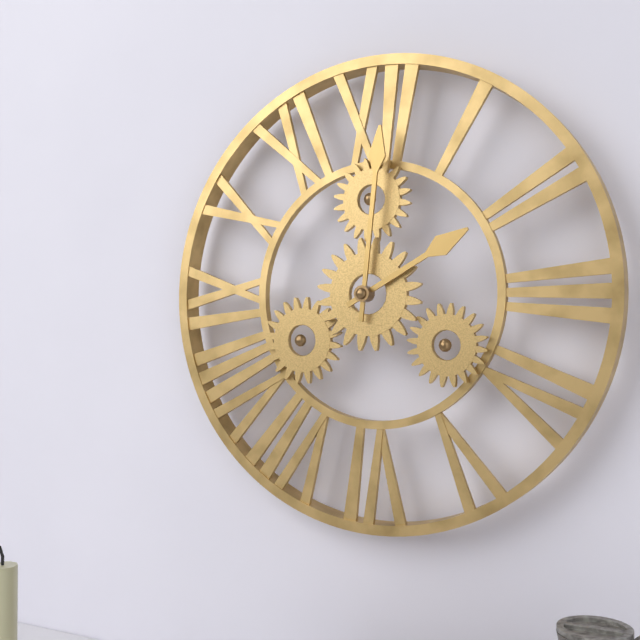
2:01
